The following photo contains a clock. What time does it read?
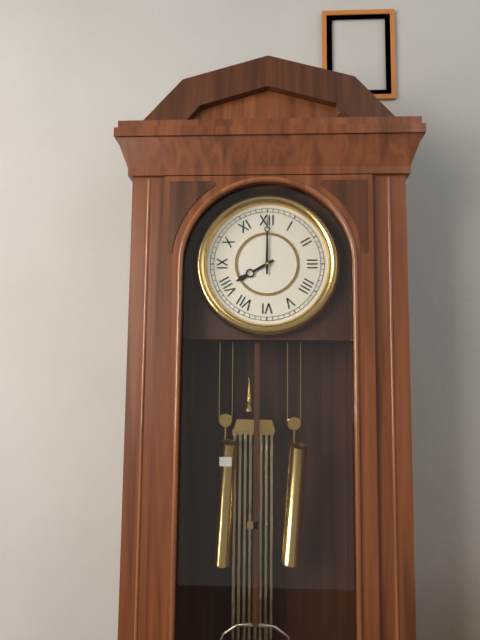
8:00
